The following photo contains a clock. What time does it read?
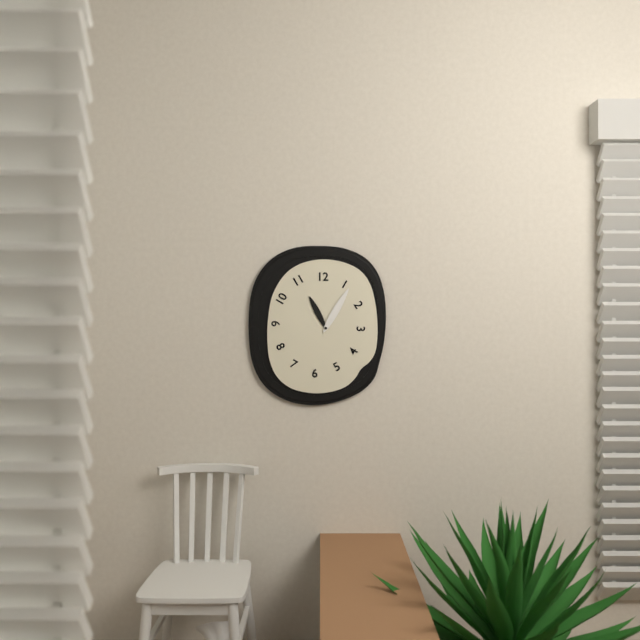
11:05
